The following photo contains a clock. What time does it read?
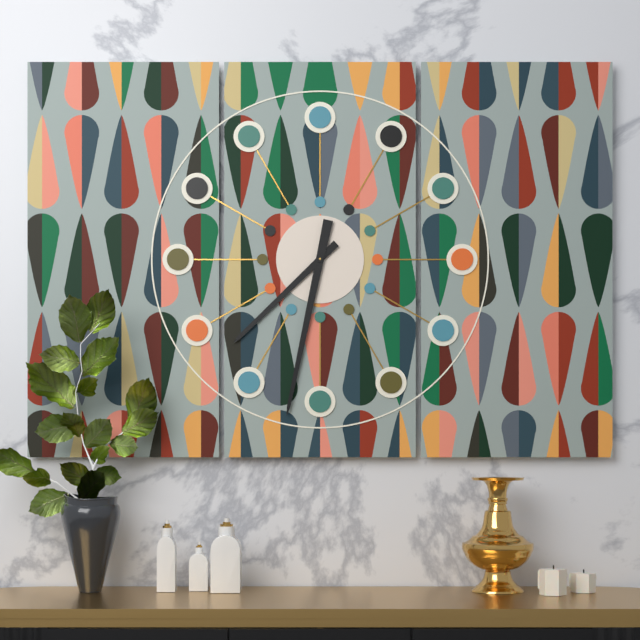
7:32
